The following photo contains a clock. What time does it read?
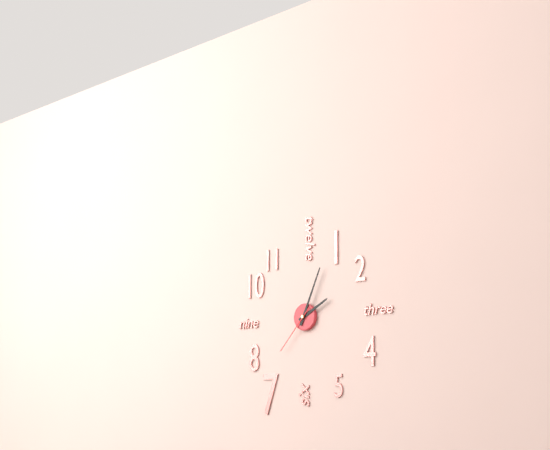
2:04:37
